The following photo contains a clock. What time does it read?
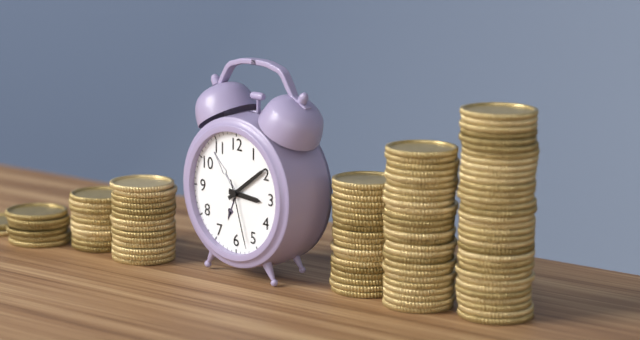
3:09:27
